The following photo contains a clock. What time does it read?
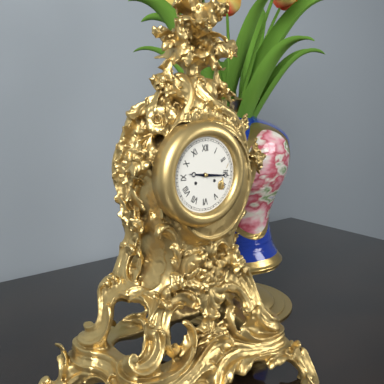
9:16
